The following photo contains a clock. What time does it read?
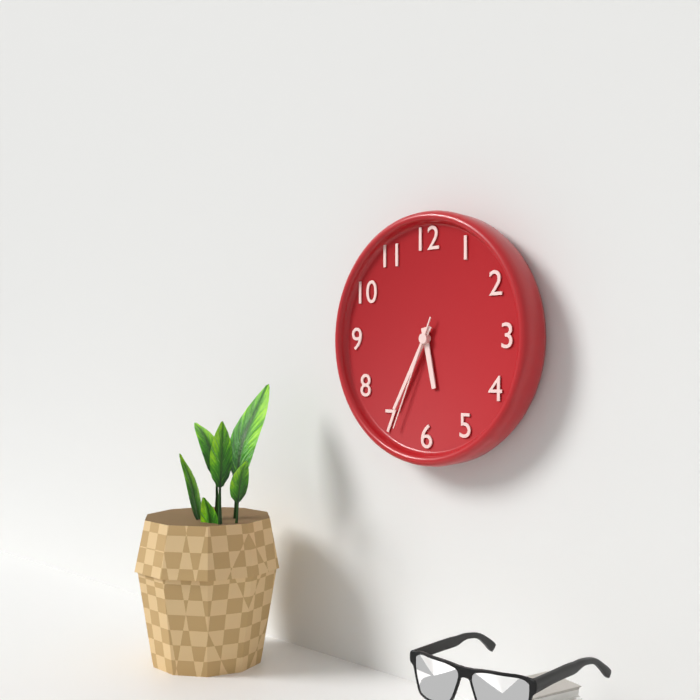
5:35:34
